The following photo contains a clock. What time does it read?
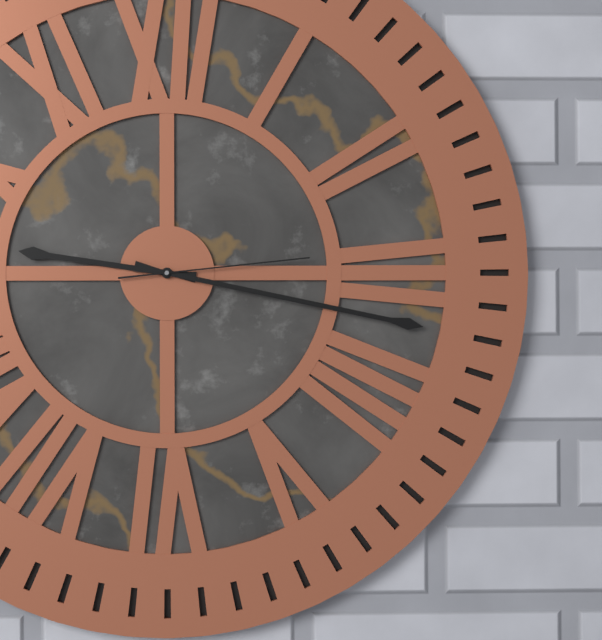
9:17:14
